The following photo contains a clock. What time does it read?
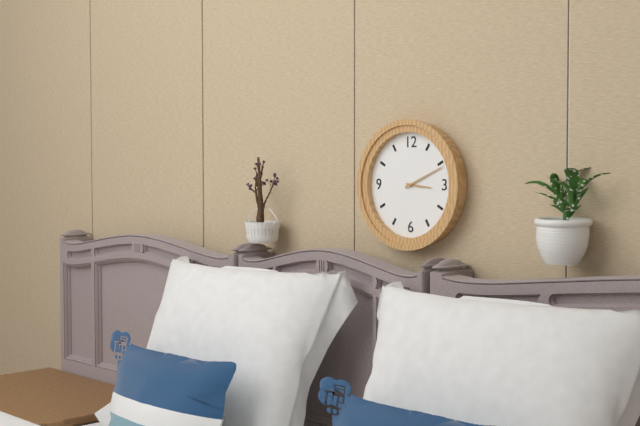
3:11
